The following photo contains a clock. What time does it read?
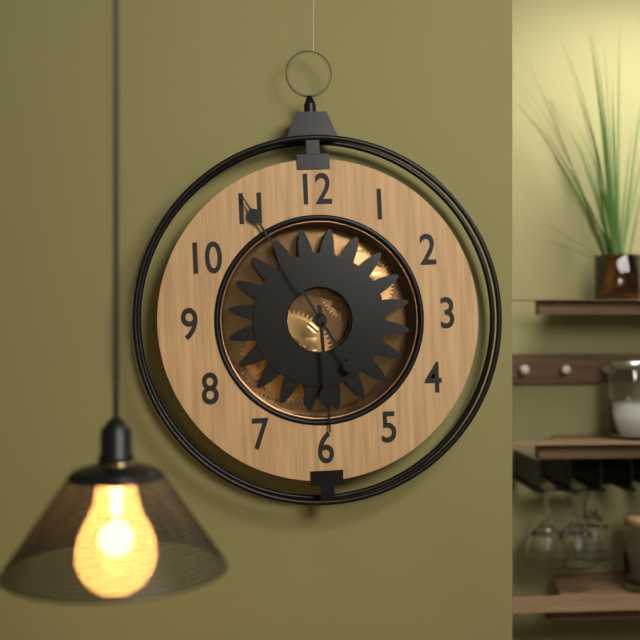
5:55
